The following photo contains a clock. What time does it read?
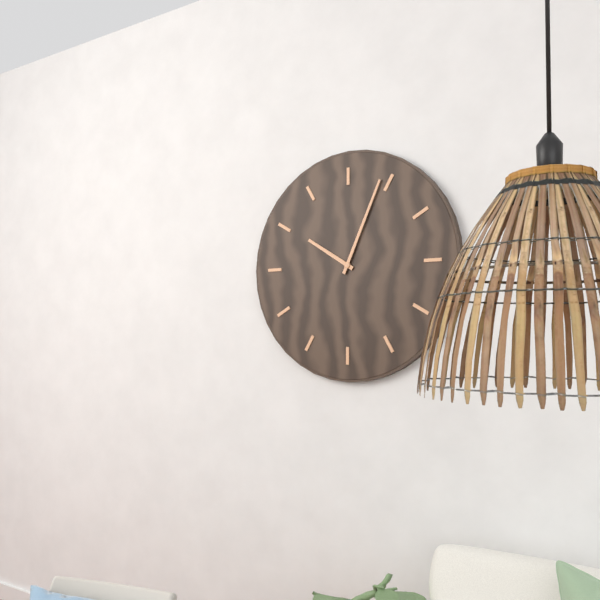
10:04
